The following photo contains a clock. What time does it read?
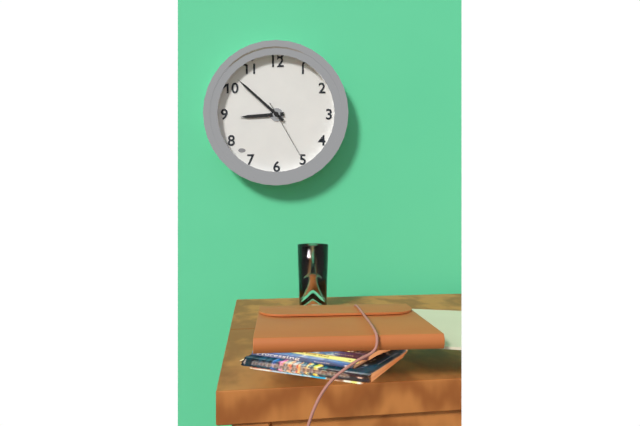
8:52:25
